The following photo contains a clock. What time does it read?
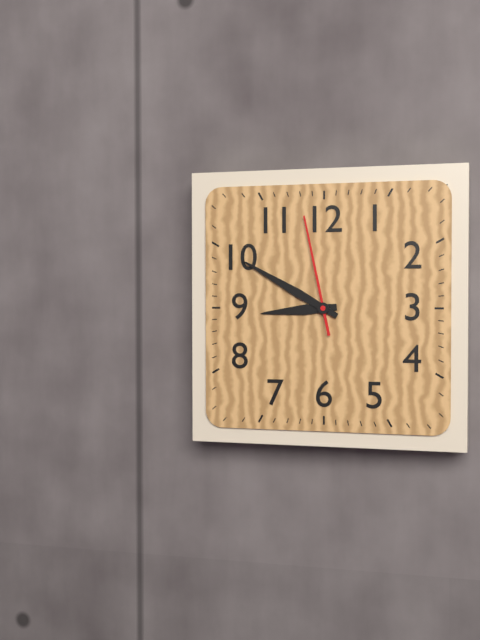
8:50:58
